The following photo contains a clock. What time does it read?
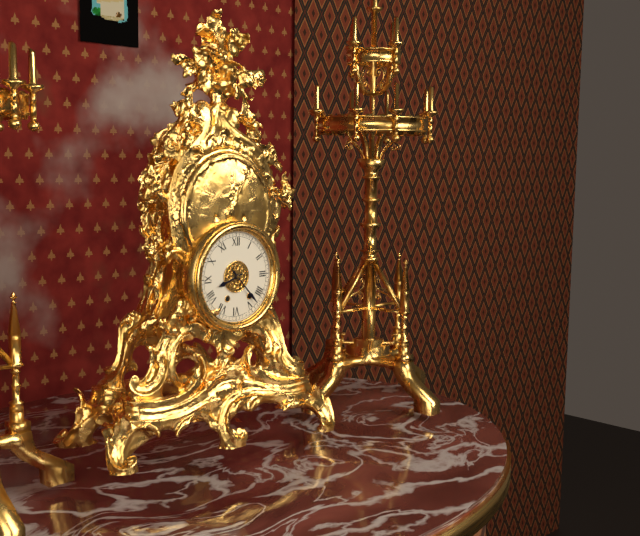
8:23
